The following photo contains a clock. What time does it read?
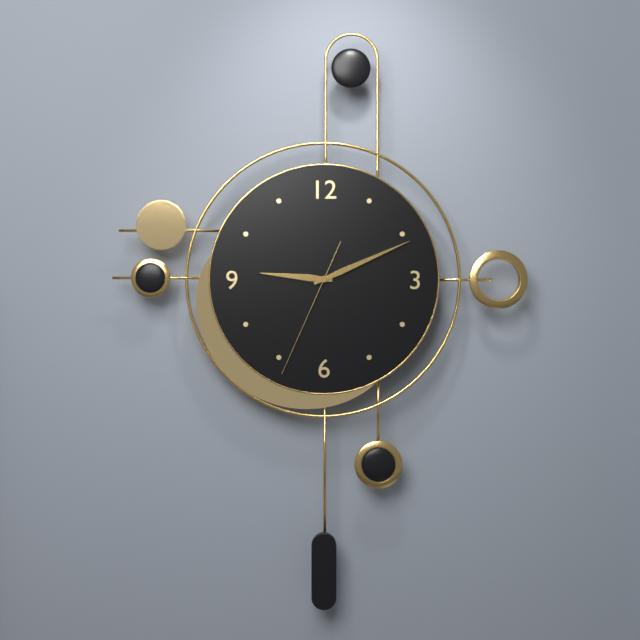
9:11:34
